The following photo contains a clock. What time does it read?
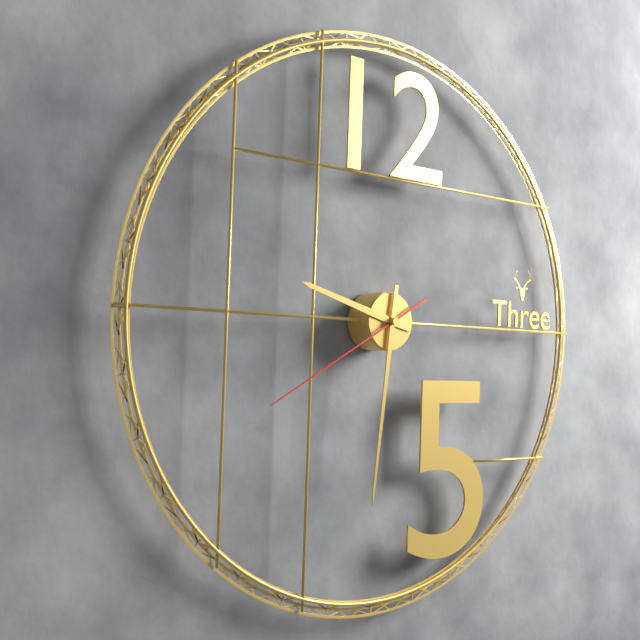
9:31:40
